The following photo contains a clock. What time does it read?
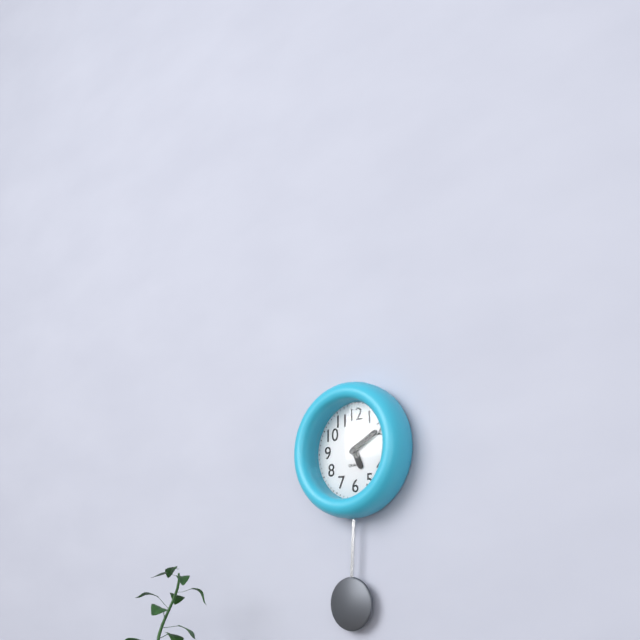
5:10
